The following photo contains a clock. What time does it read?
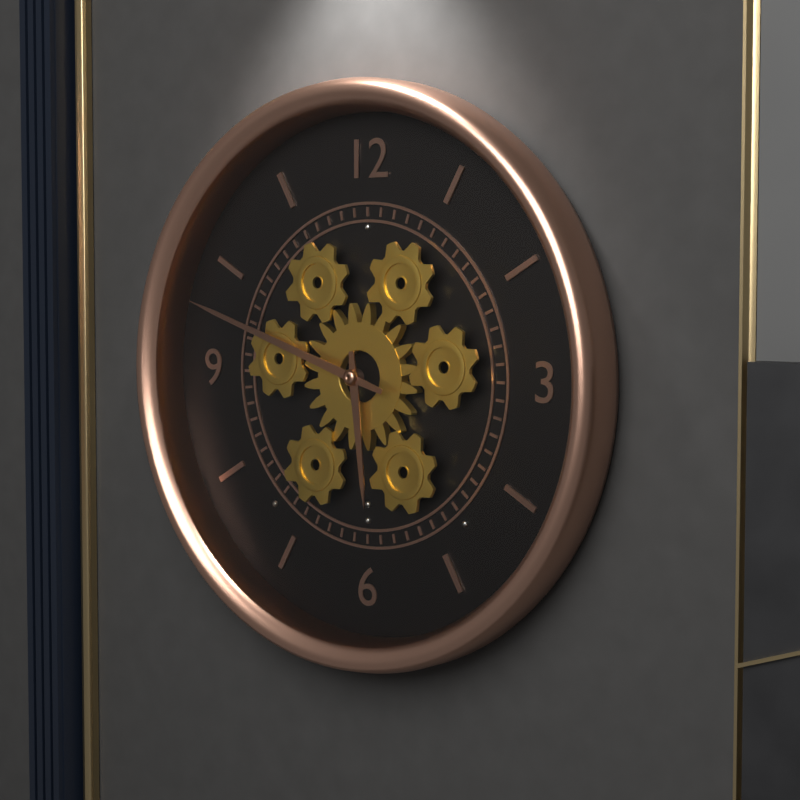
5:48
